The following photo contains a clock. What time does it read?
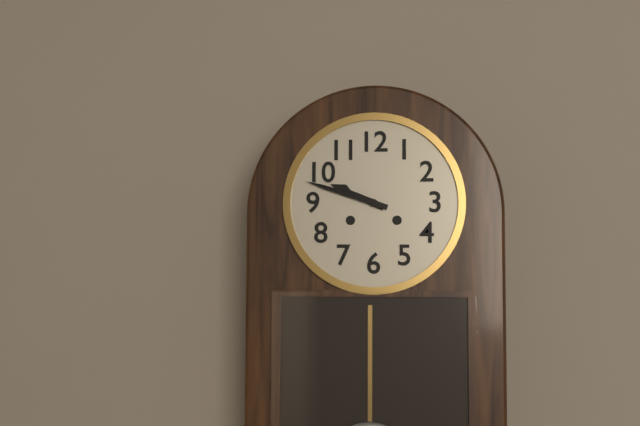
9:48
